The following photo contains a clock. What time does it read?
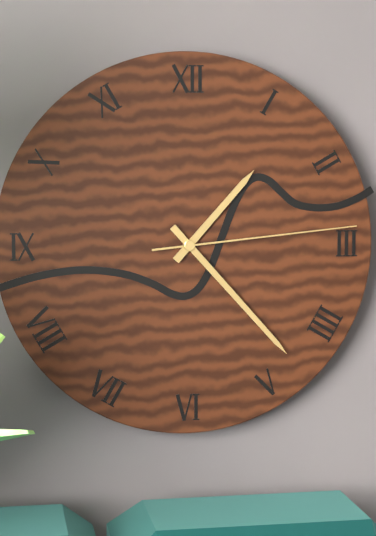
1:23:14
